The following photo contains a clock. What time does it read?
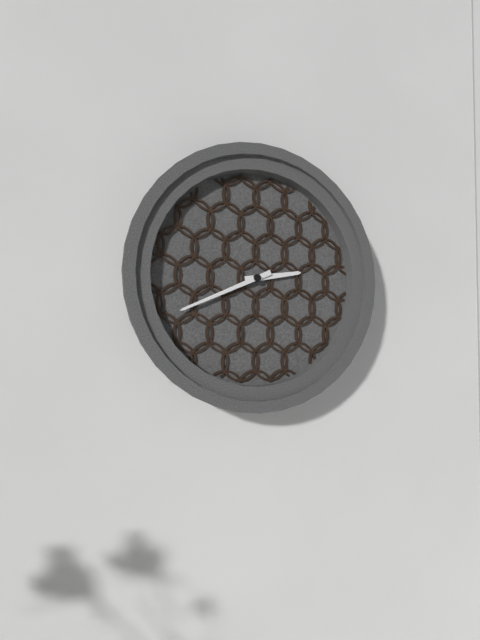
2:41
